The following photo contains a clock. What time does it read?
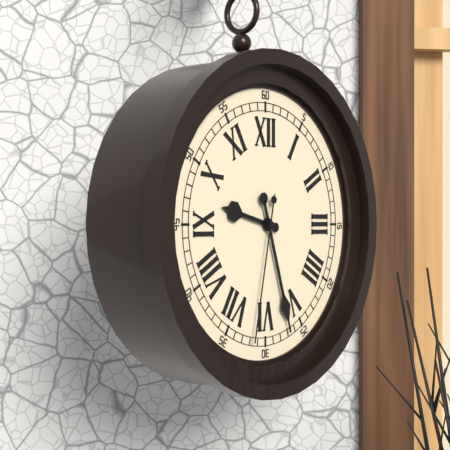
9:27:32
